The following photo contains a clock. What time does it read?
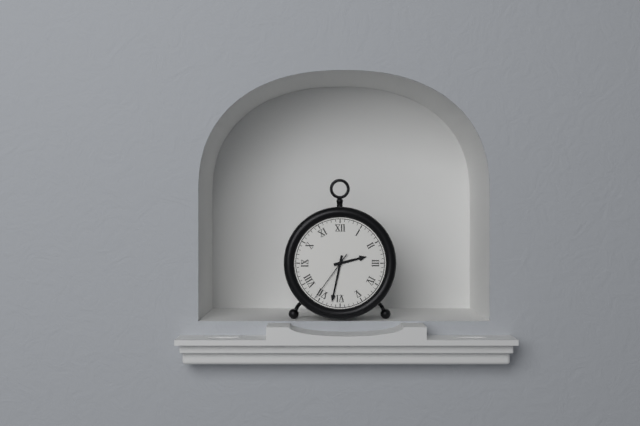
2:32:36
